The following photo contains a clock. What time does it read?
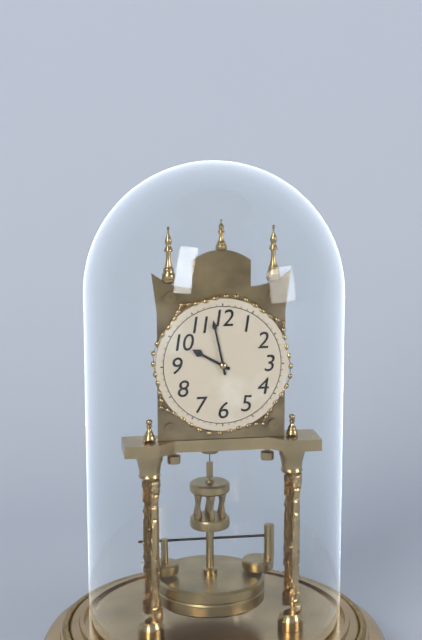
9:58
